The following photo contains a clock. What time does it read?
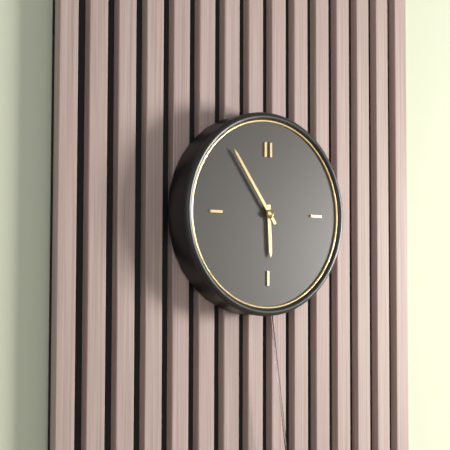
5:54
